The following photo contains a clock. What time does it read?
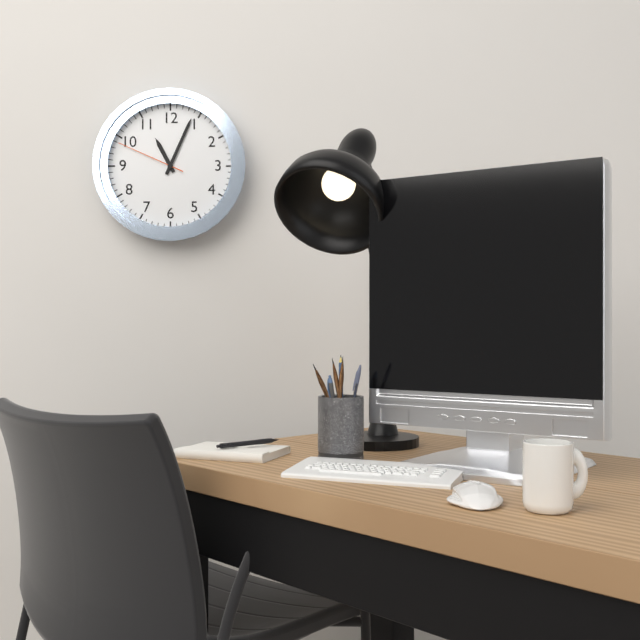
11:04:49
